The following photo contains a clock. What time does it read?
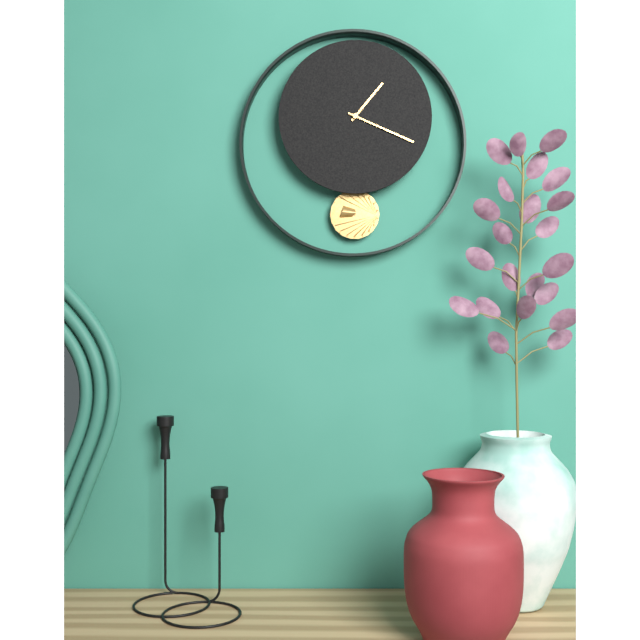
1:19
